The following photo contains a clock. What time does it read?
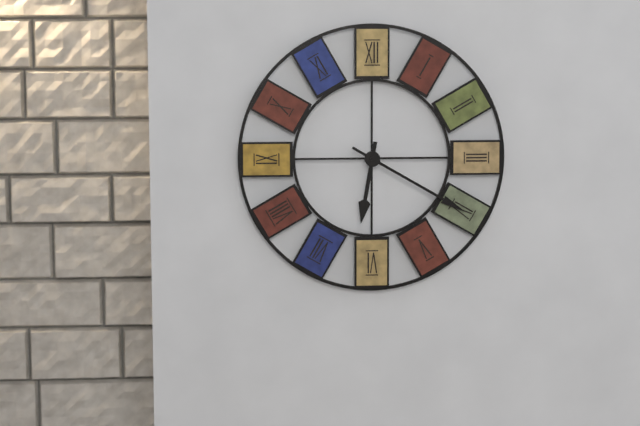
6:20
